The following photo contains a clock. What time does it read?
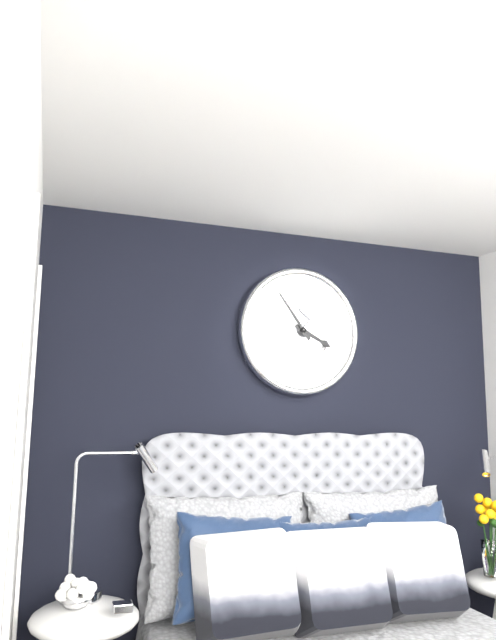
3:54
